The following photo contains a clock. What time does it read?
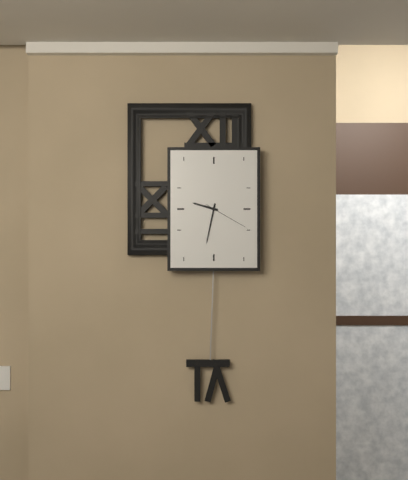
9:32
